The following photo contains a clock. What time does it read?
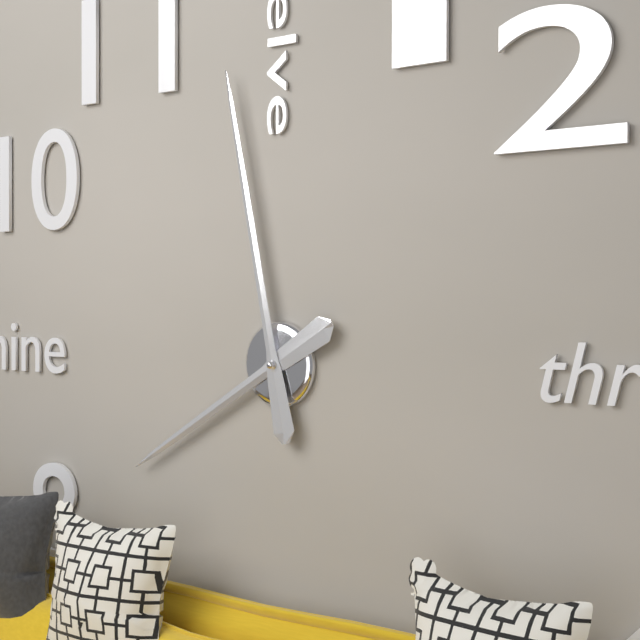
7:58
